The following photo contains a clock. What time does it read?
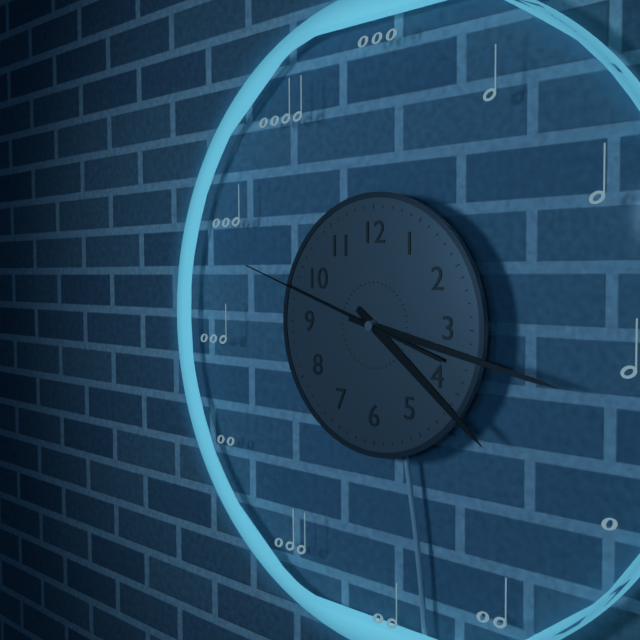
4:17:48
